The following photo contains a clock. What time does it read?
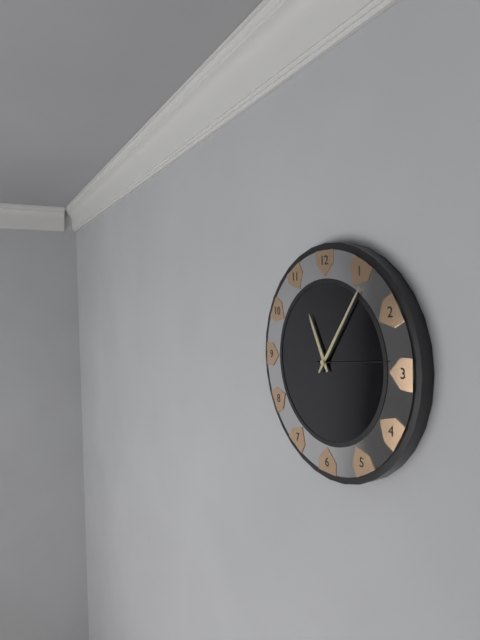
11:06:14
